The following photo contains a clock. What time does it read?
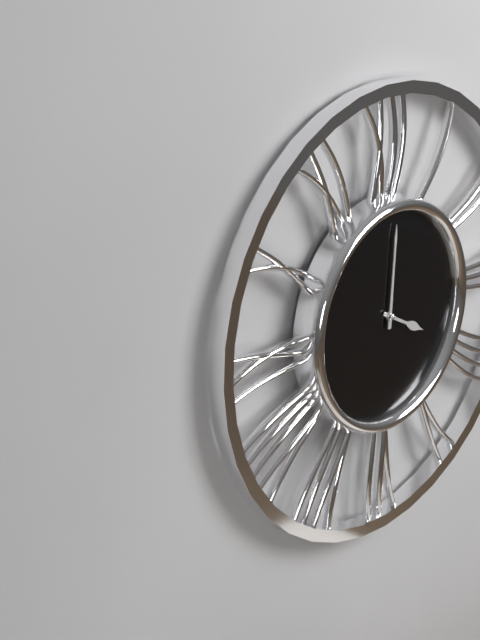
4:01
